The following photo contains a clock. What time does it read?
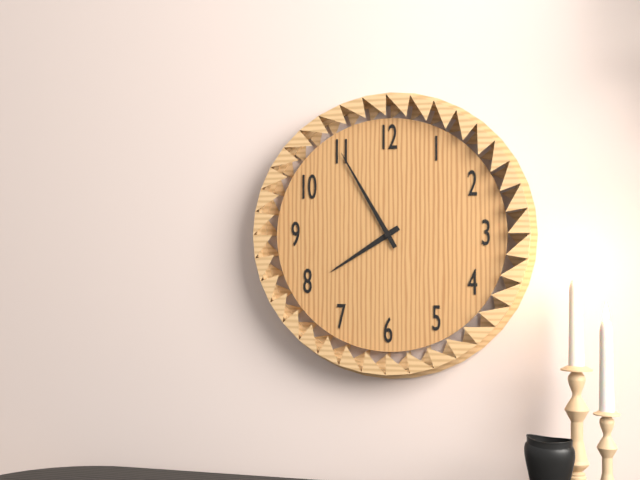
7:55
